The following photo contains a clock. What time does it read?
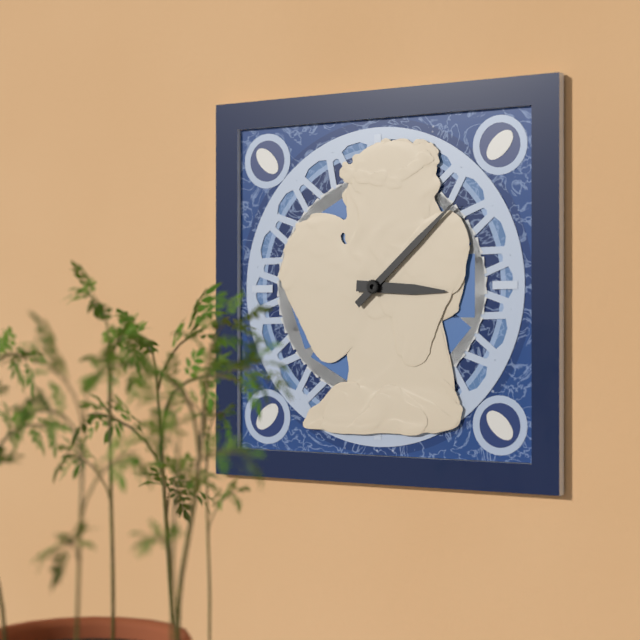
3:08
